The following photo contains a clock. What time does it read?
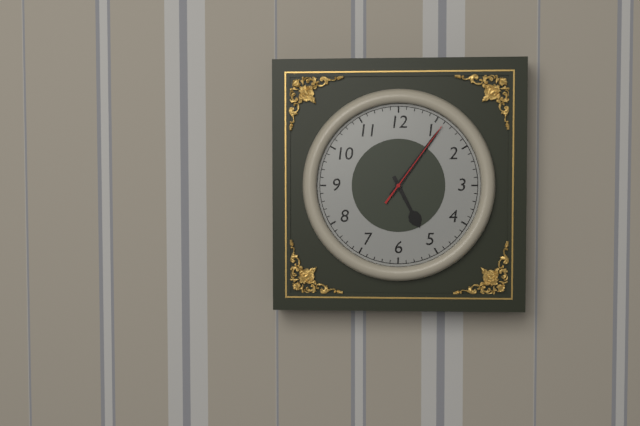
5:06:06
